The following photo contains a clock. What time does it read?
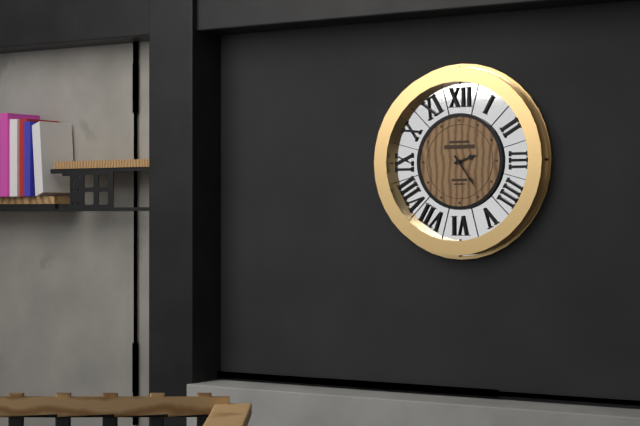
2:24
